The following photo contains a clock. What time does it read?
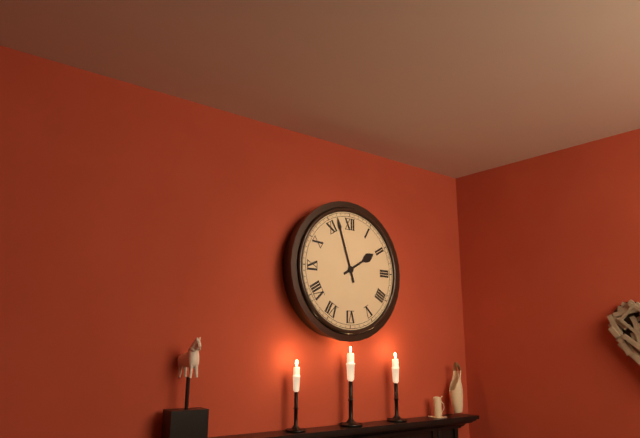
1:57
